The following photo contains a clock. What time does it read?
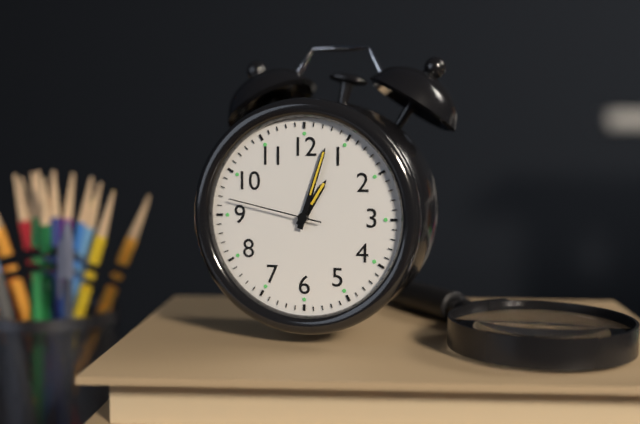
1:03:47
